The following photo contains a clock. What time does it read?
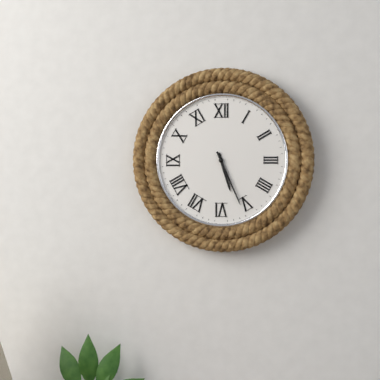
5:26
